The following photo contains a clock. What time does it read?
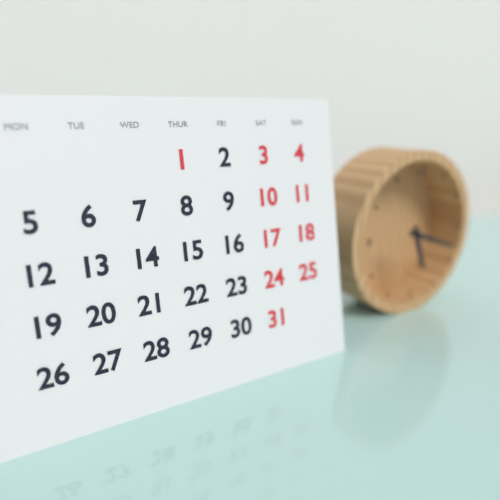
5:18
